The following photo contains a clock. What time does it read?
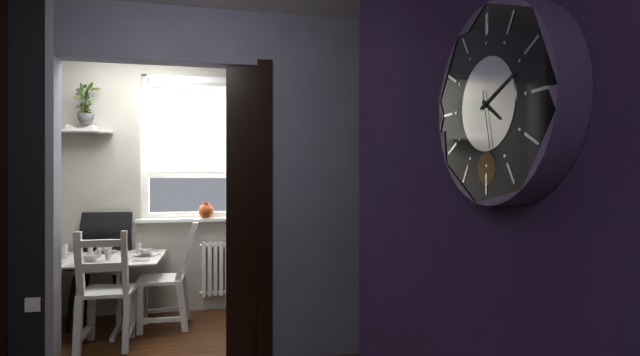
4:11:28
